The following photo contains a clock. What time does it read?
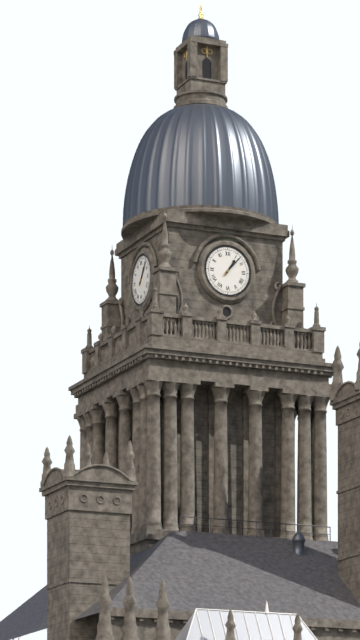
1:07
